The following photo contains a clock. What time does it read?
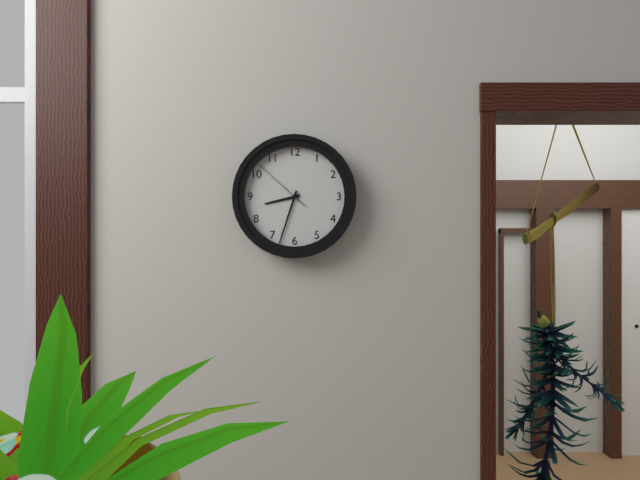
8:33:52
